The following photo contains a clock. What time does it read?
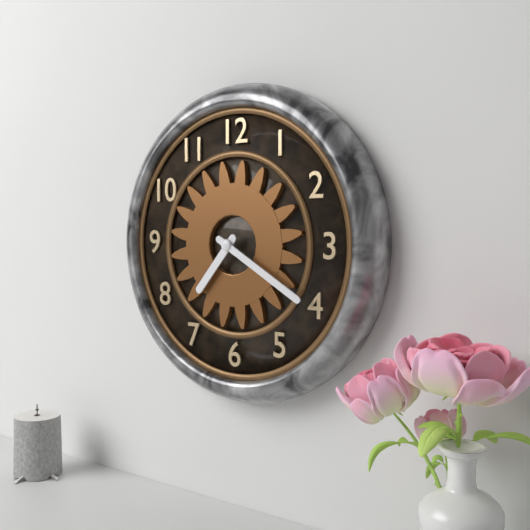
7:20
